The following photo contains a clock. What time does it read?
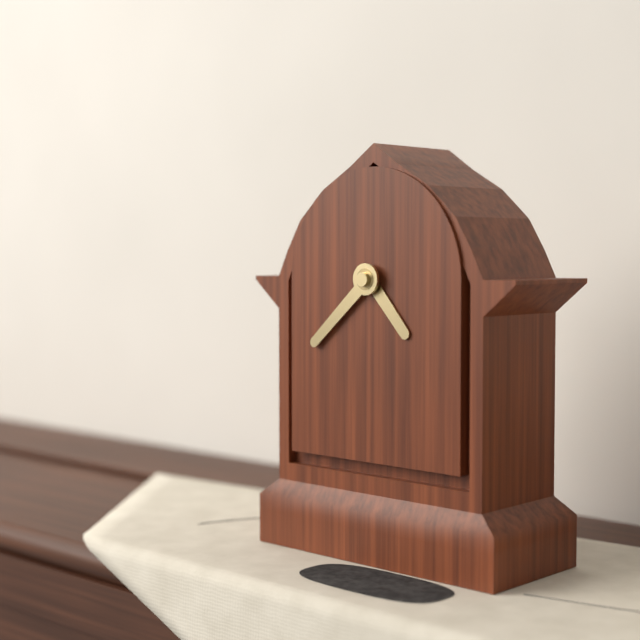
4:38
